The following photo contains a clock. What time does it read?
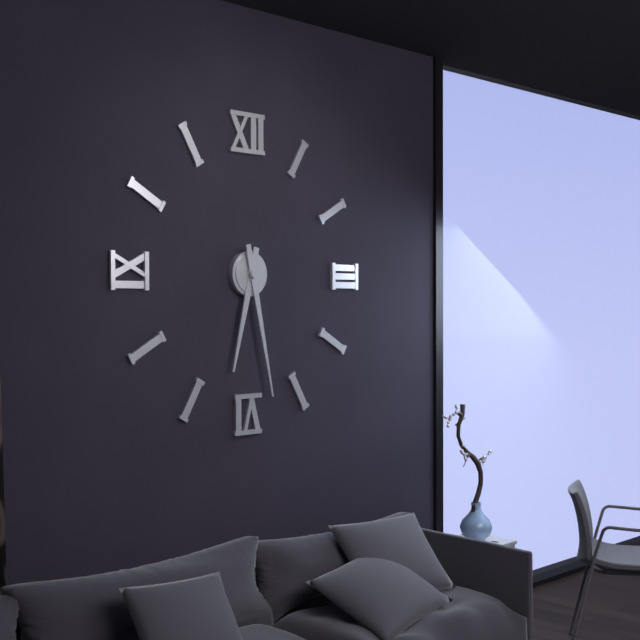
6:28
